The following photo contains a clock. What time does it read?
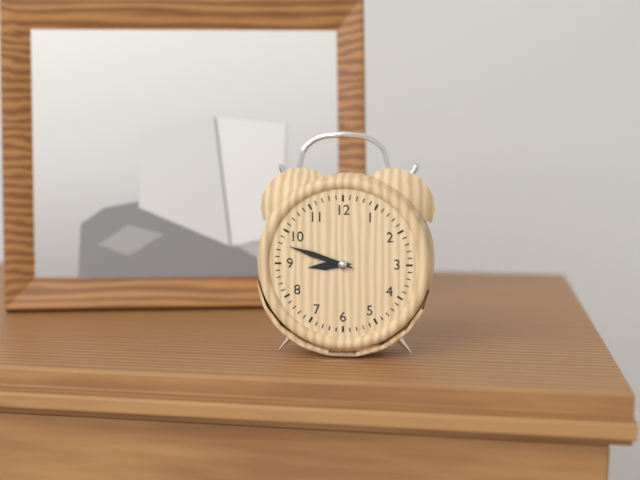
8:48
